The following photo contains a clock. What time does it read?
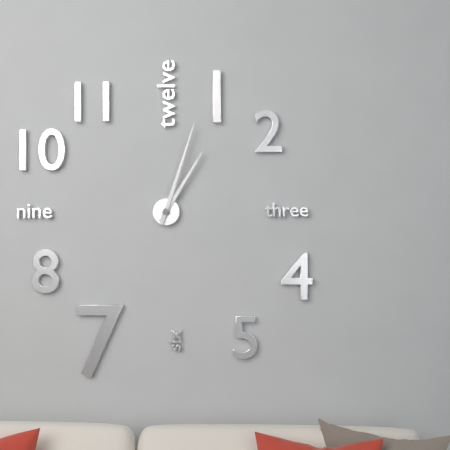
1:03
